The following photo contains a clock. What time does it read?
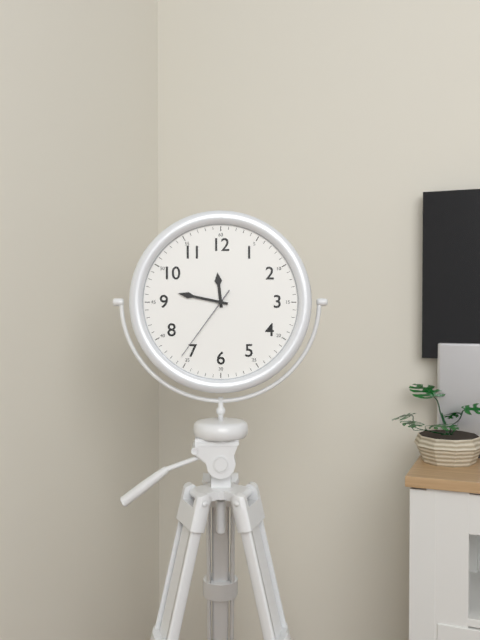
11:47:36
